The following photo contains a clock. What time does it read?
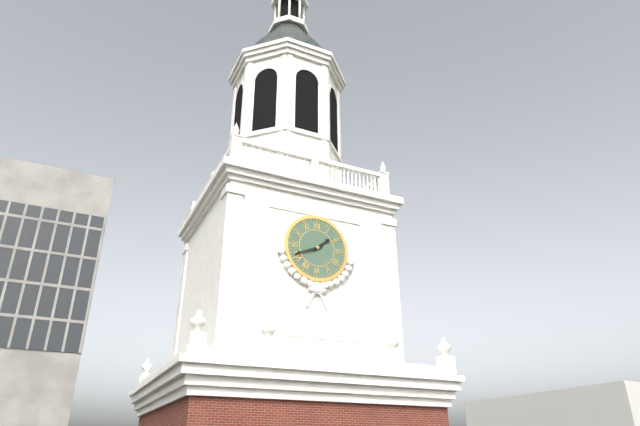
1:41
